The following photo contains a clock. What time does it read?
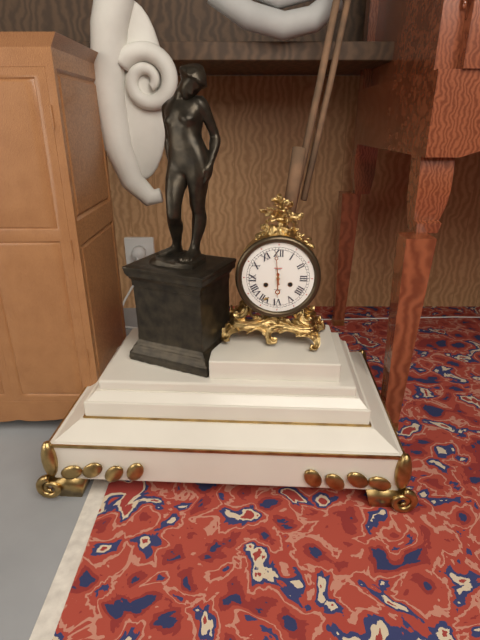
5:59
